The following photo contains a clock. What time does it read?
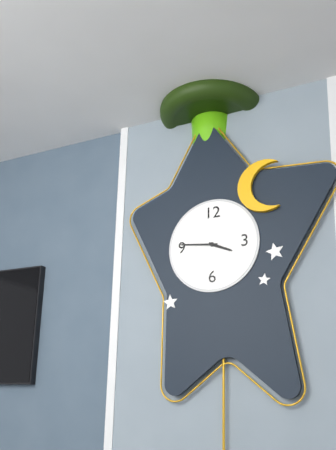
3:46
